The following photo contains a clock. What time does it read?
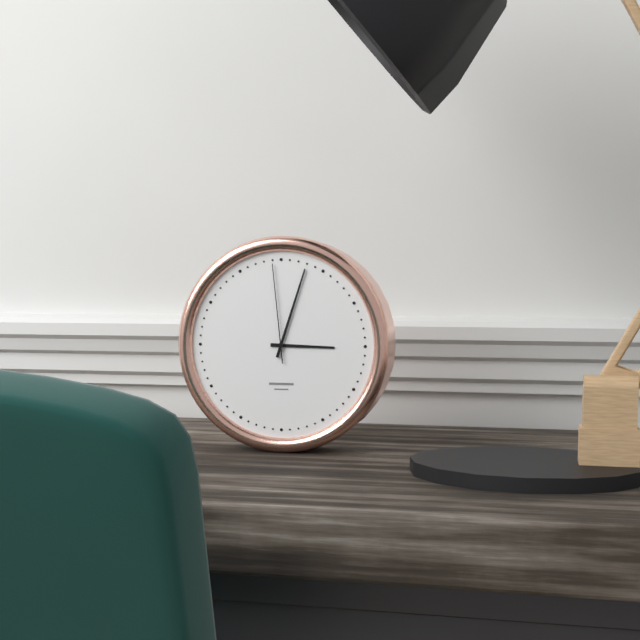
3:03:59
